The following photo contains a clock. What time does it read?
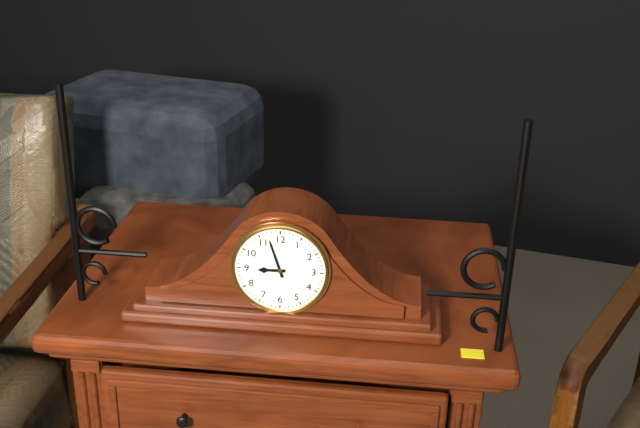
8:57
